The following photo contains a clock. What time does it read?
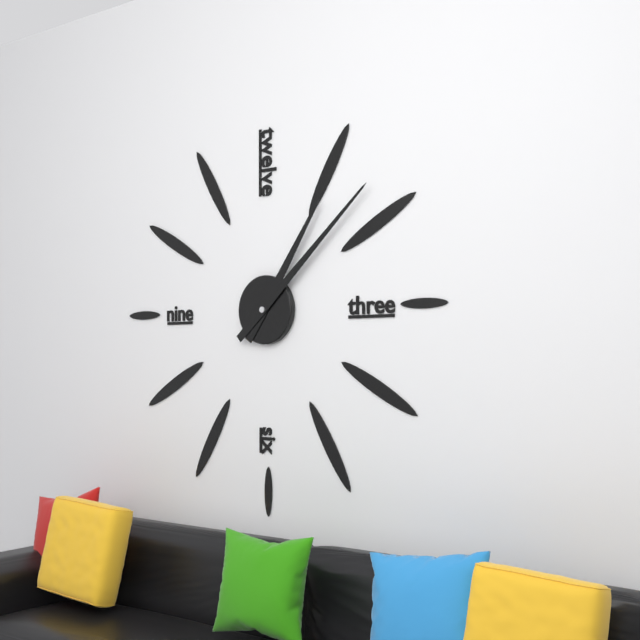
1:08
